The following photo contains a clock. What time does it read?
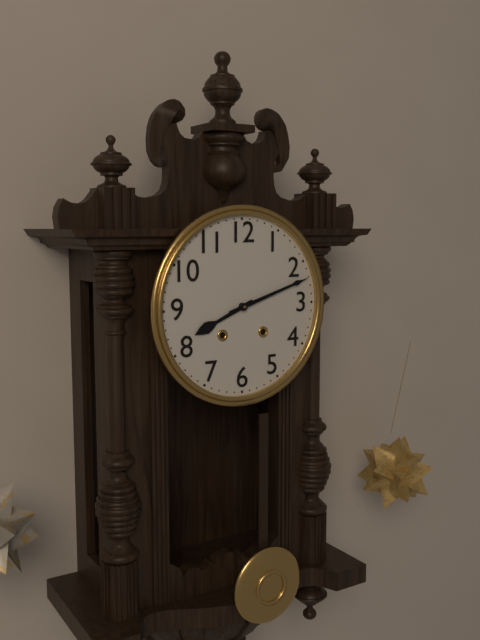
8:12
